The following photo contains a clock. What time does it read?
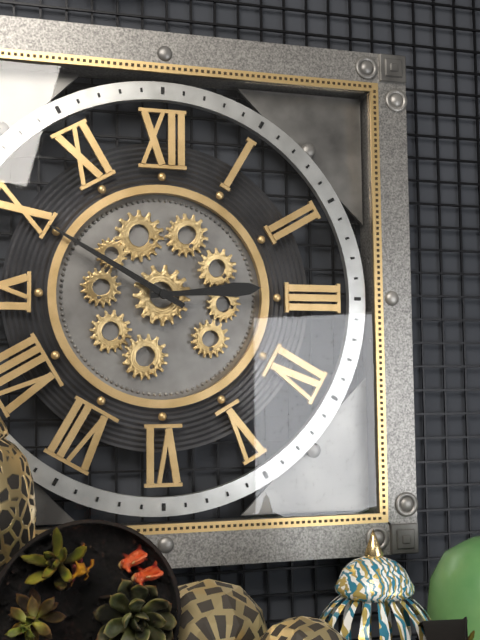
2:50
